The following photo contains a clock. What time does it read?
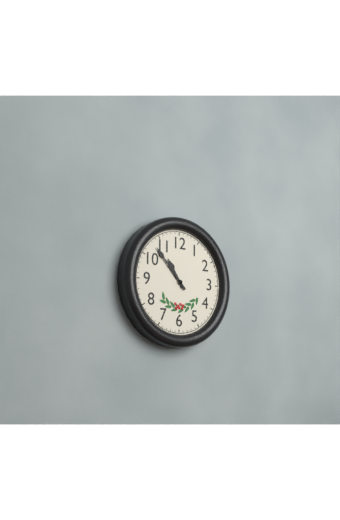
10:53
